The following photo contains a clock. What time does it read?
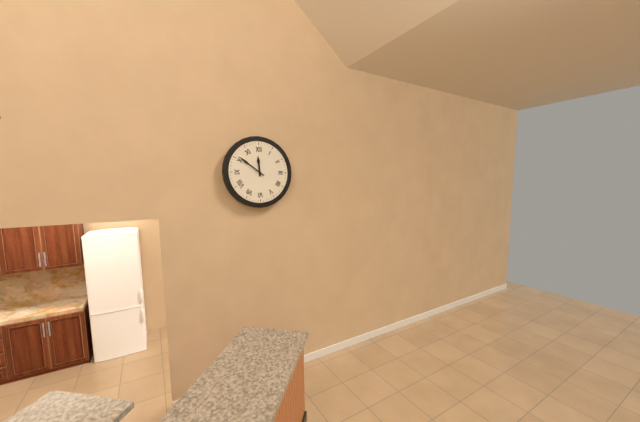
11:51
